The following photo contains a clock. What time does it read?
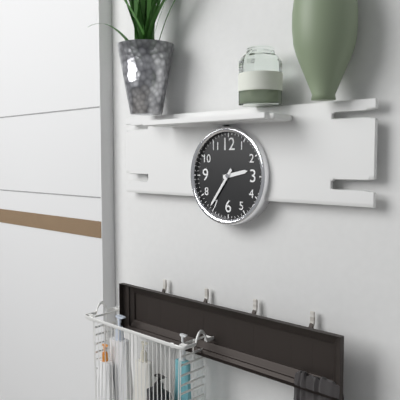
2:36
